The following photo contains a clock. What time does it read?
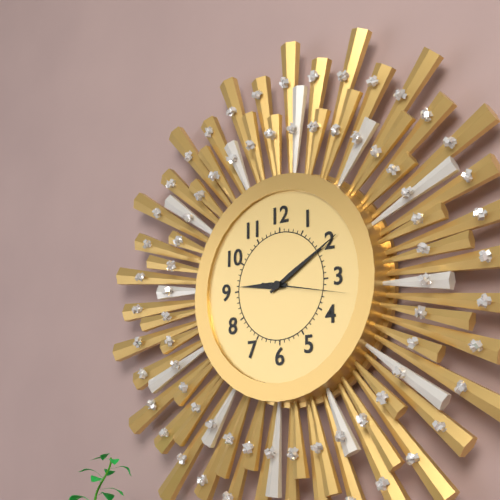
9:10:17
